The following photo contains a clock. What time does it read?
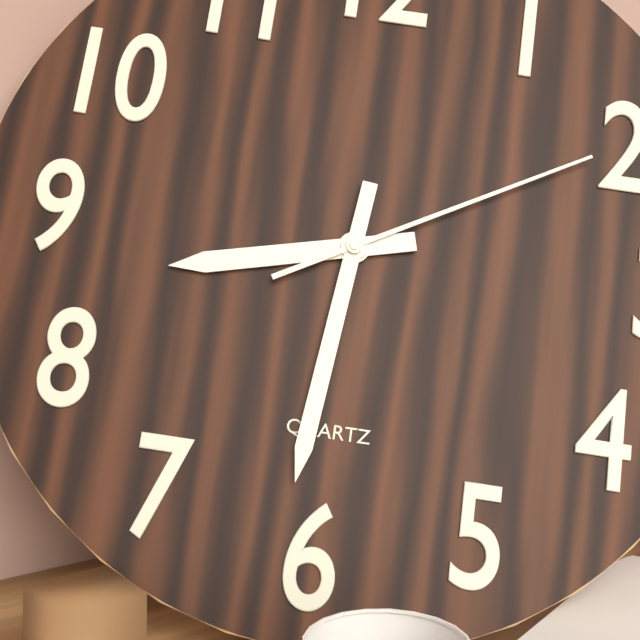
8:31:10
